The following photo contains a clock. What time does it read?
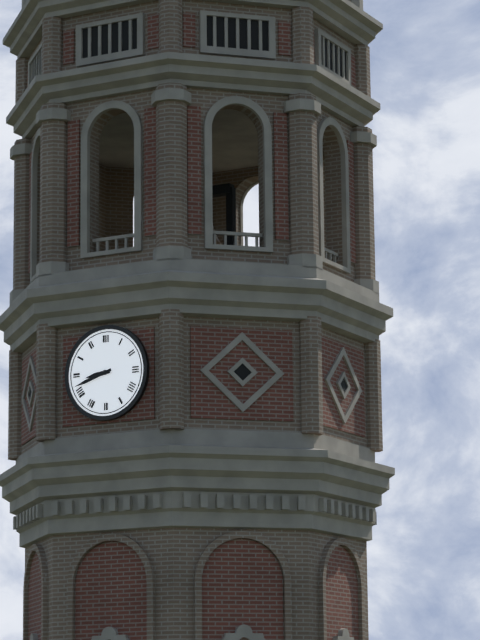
8:42
